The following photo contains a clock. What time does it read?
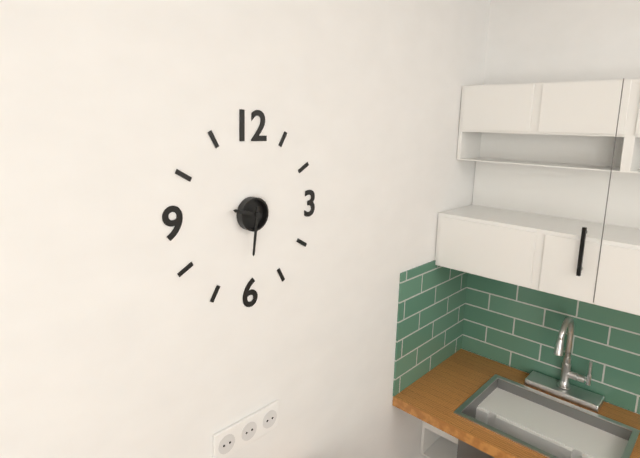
9:31
